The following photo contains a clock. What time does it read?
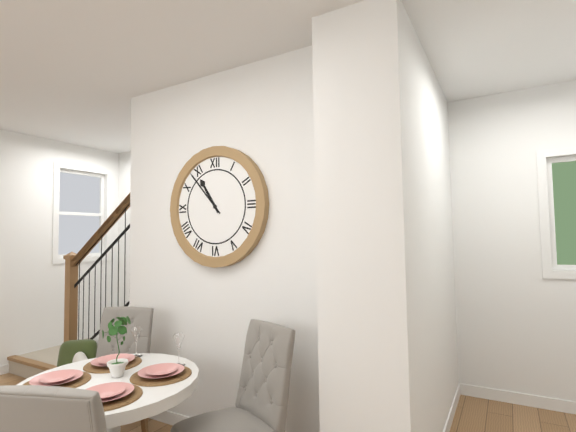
10:53
